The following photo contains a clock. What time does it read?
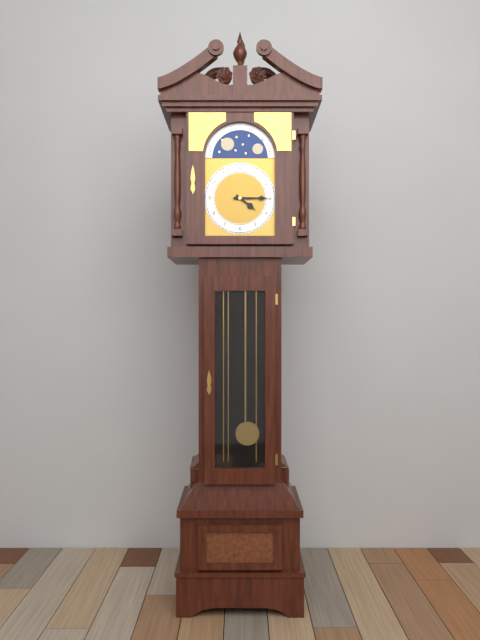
4:15
